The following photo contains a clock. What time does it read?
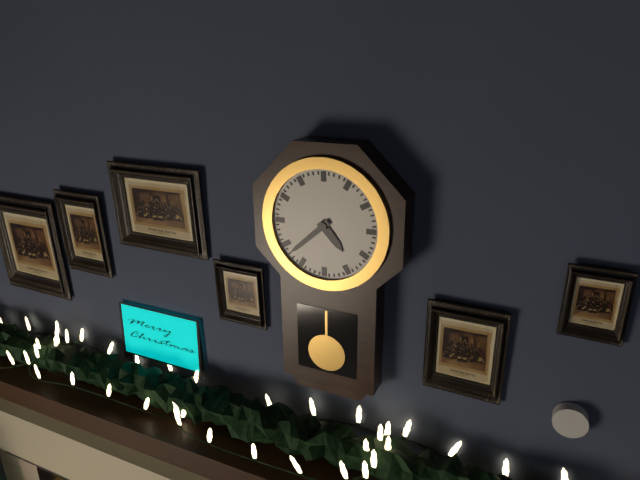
4:38
